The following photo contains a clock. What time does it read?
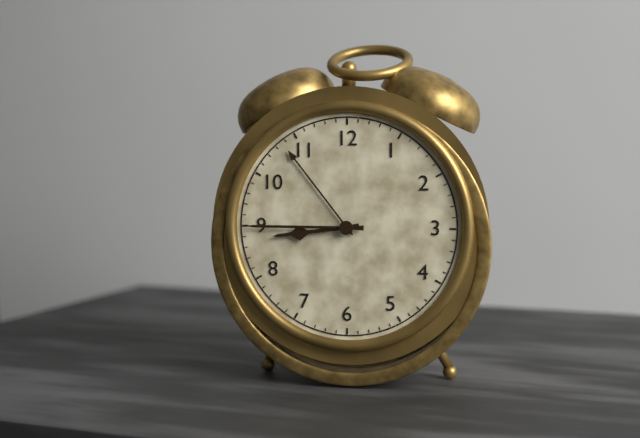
8:45
